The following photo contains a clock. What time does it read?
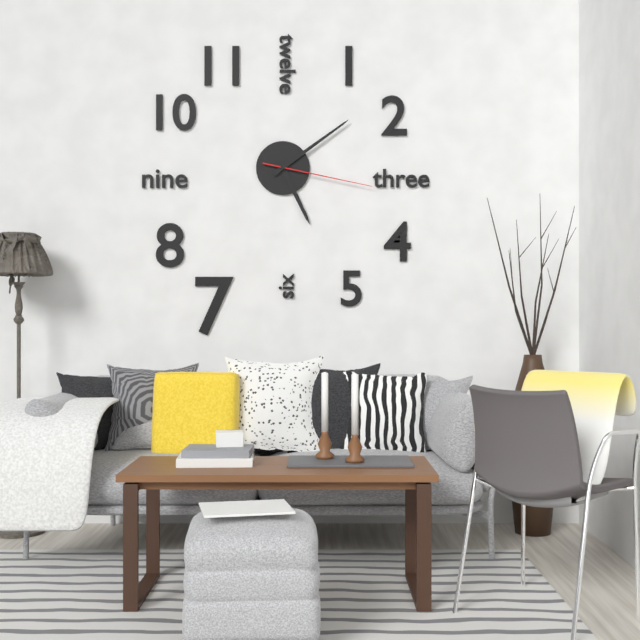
5:09:17
